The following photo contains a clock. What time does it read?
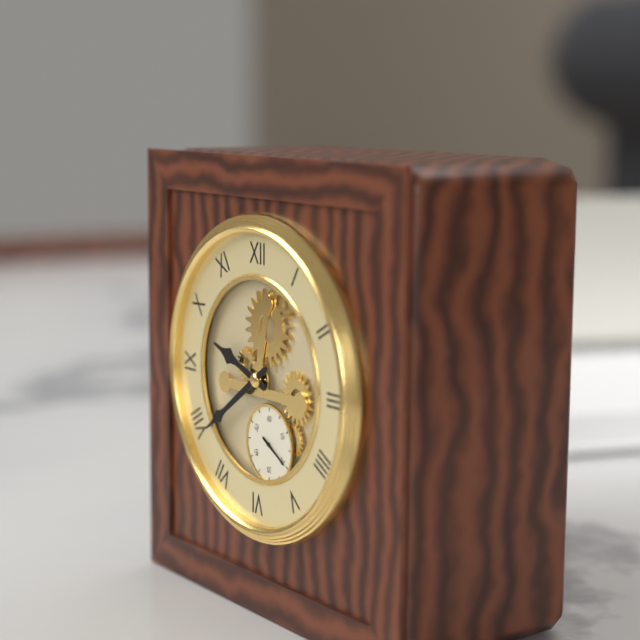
9:39
